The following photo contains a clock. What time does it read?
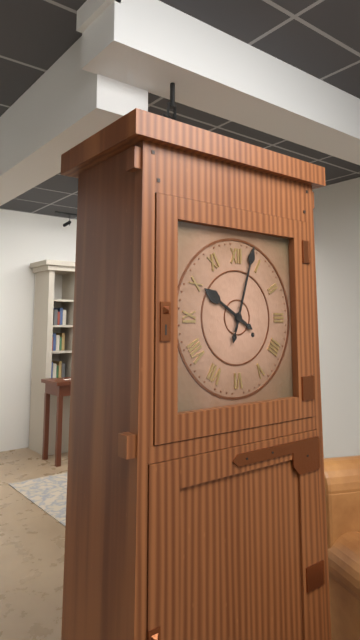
10:03
